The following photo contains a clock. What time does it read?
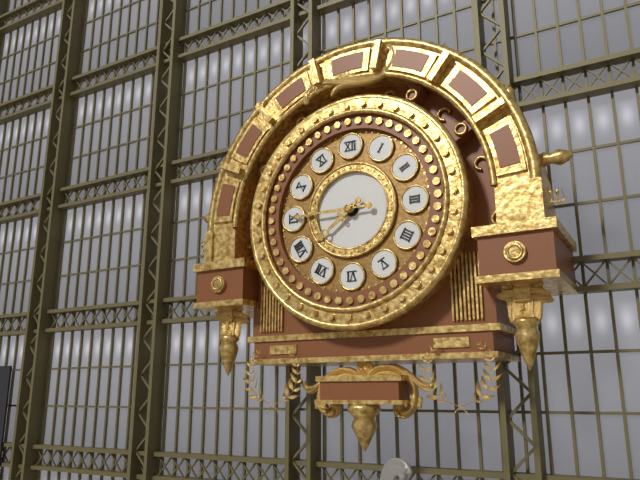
7:45
